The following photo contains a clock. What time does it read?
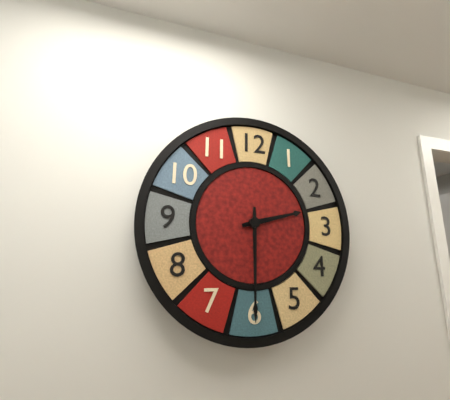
2:30
